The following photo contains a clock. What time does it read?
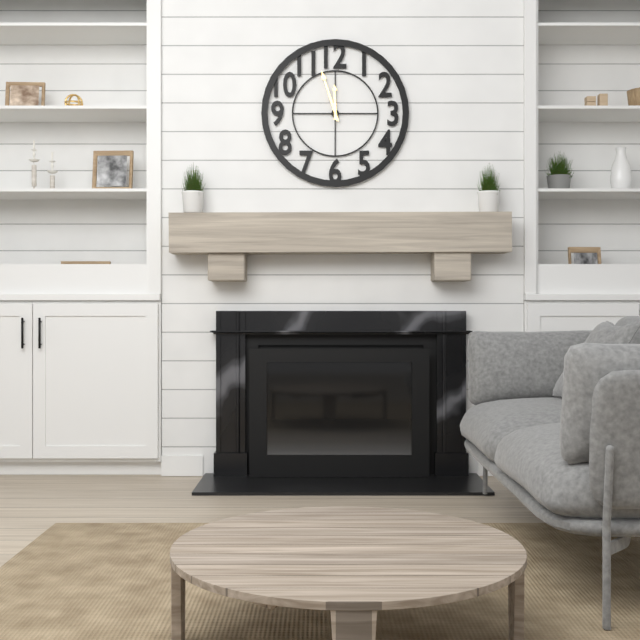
11:57
